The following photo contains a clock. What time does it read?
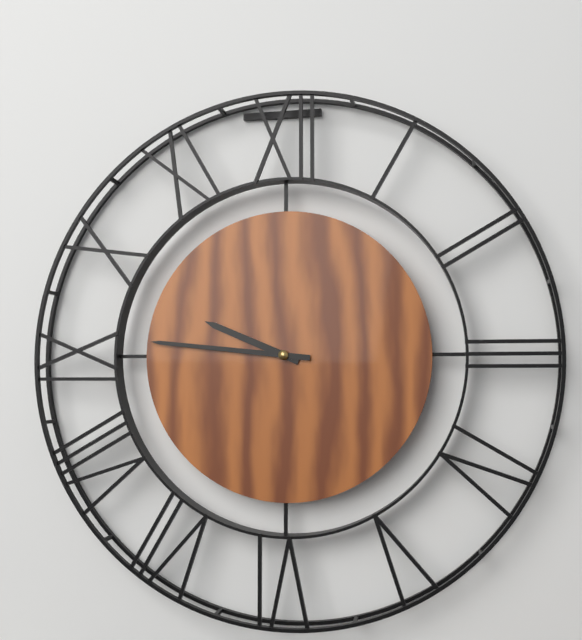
9:46
